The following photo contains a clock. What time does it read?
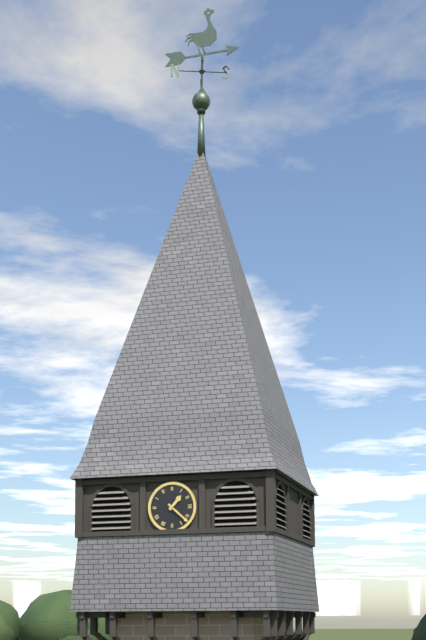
1:22
